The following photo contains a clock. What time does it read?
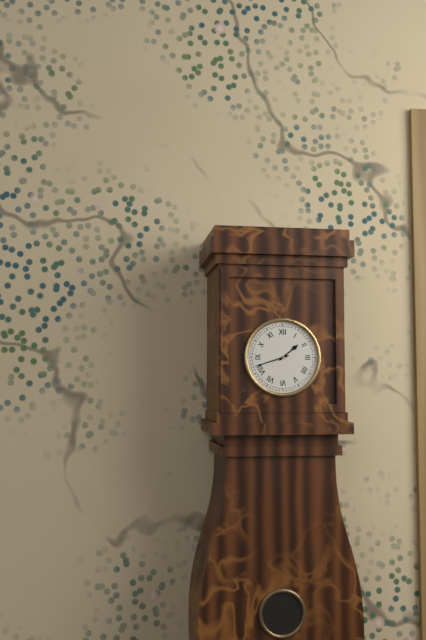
1:42
